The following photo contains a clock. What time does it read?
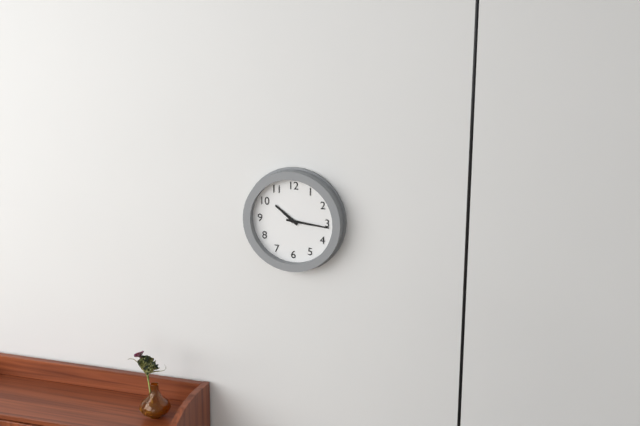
10:16
